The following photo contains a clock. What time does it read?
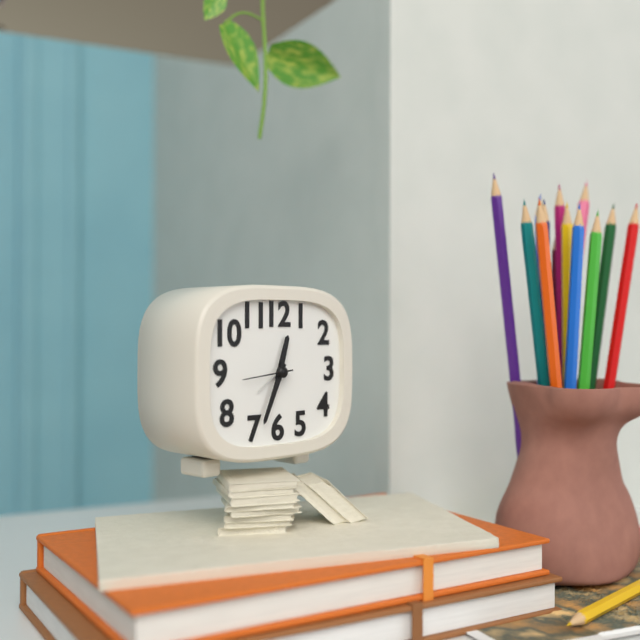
12:34:44
